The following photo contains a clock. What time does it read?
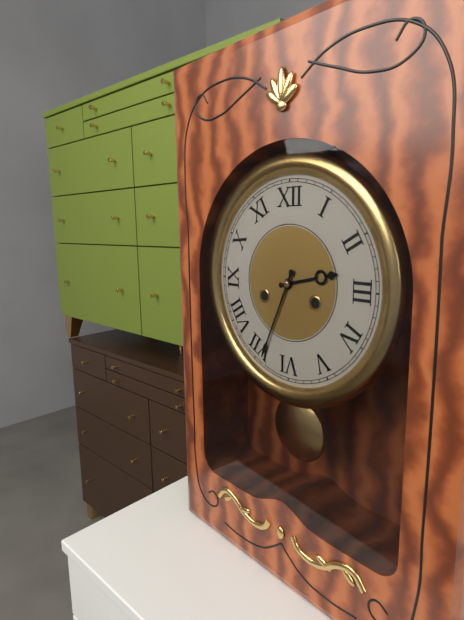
2:34
